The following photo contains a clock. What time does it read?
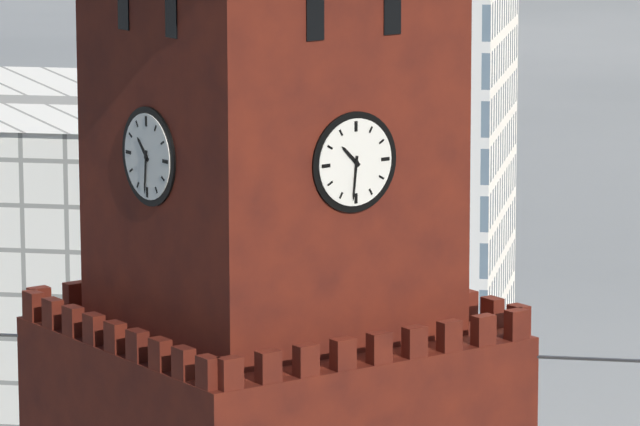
10:31
